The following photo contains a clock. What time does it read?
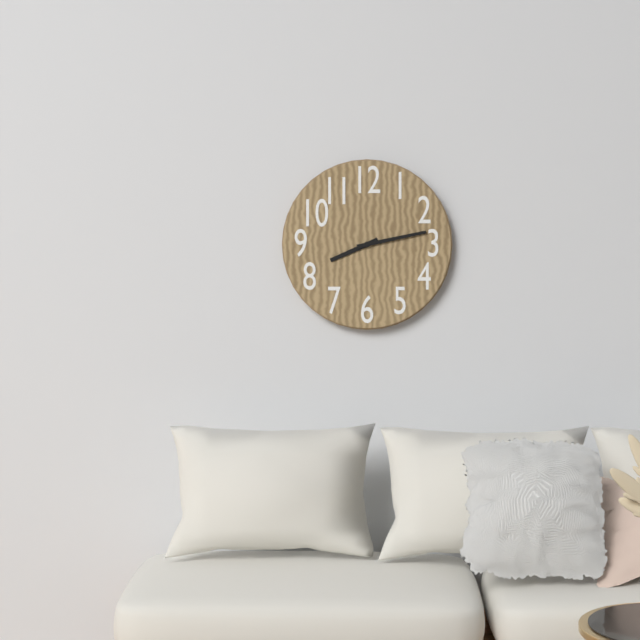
8:13
